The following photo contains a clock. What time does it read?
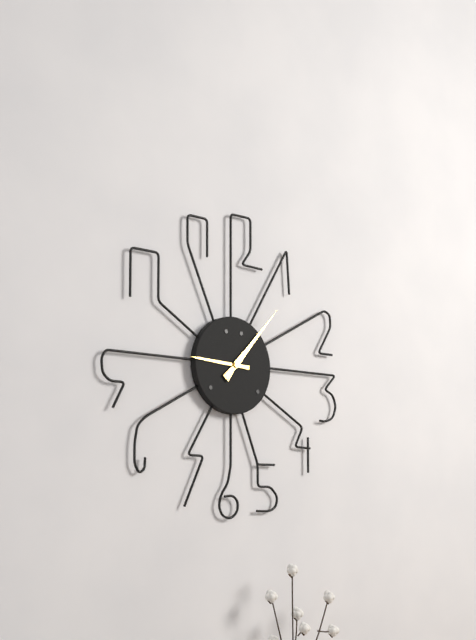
9:07
